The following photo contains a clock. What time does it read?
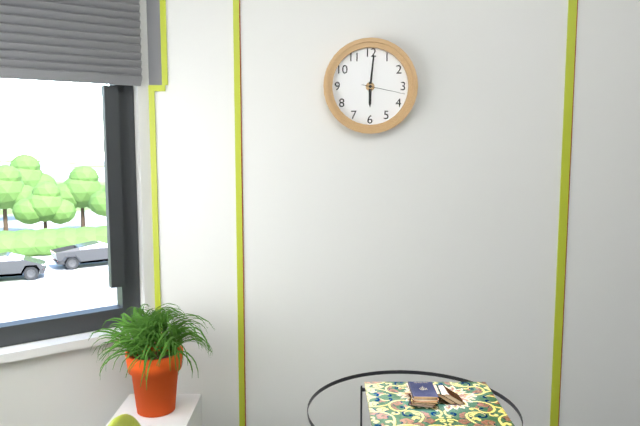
6:01
